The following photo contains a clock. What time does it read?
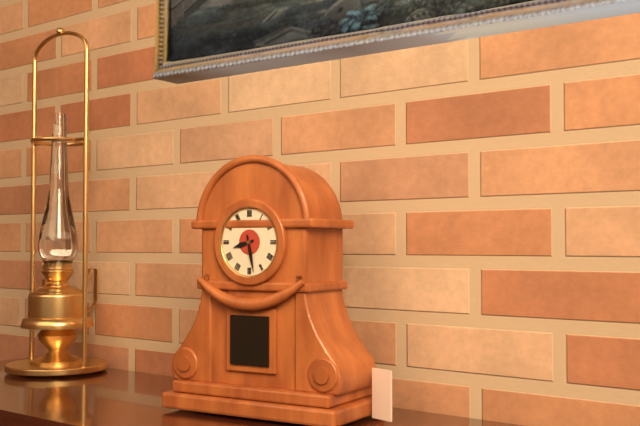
8:28
